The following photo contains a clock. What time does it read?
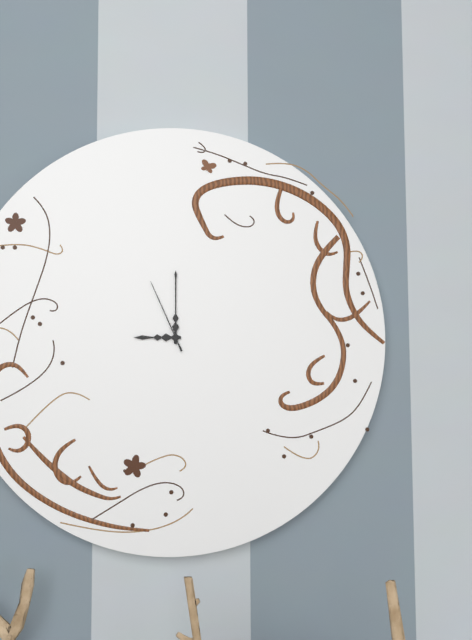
9:00:56
